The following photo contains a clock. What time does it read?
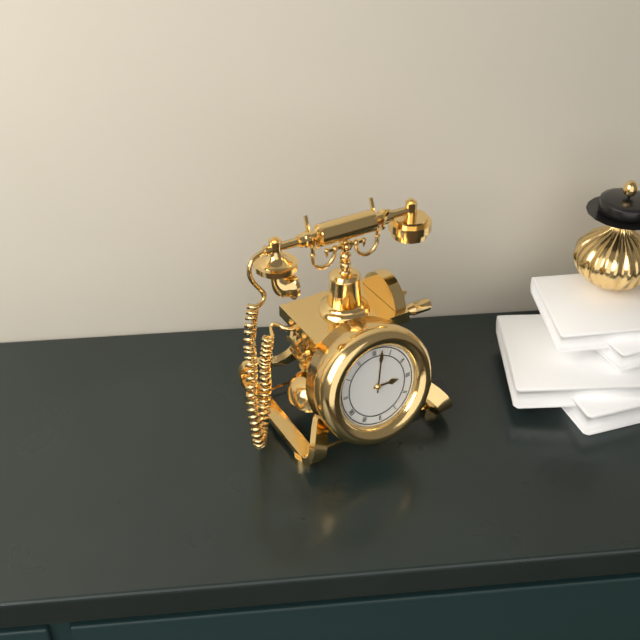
3:02
